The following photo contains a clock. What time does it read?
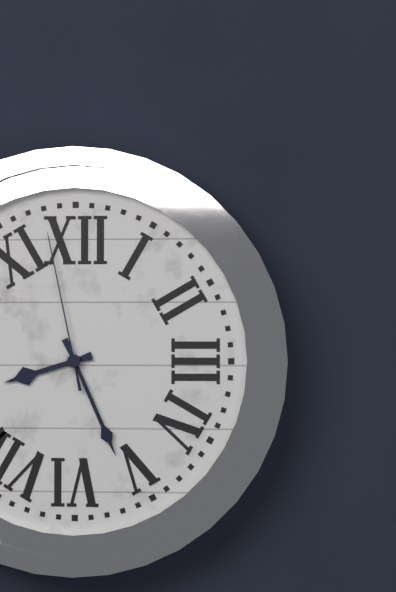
8:26:58
